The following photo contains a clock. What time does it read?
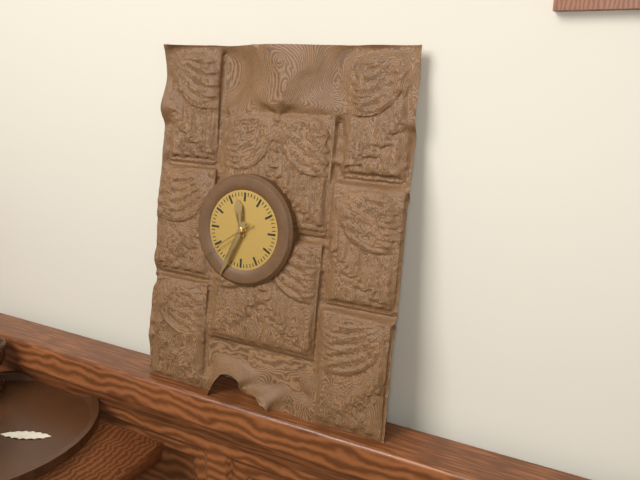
11:34:39
